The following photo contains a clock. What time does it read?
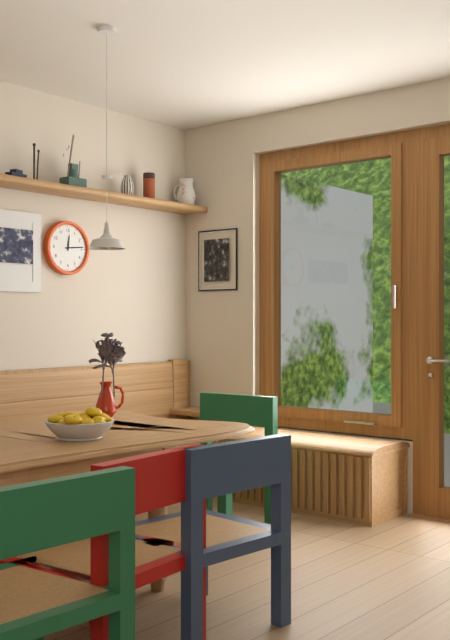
12:14
